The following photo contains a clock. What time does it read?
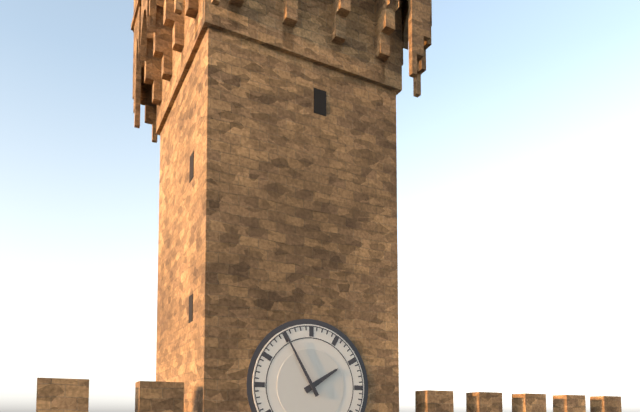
1:55
